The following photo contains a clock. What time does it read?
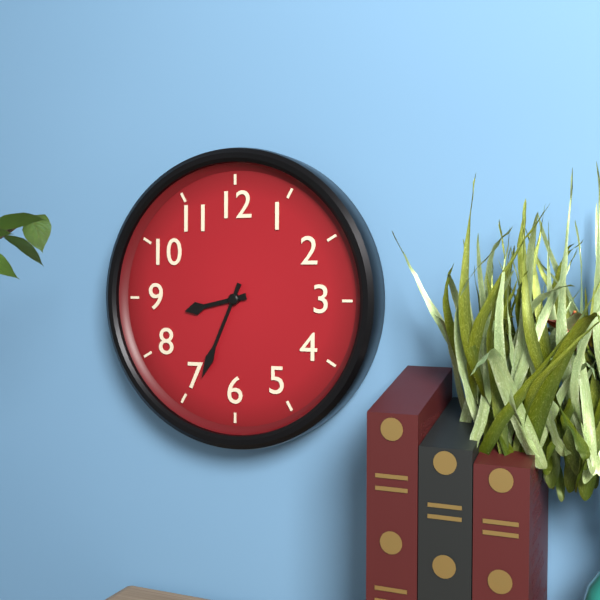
8:34
